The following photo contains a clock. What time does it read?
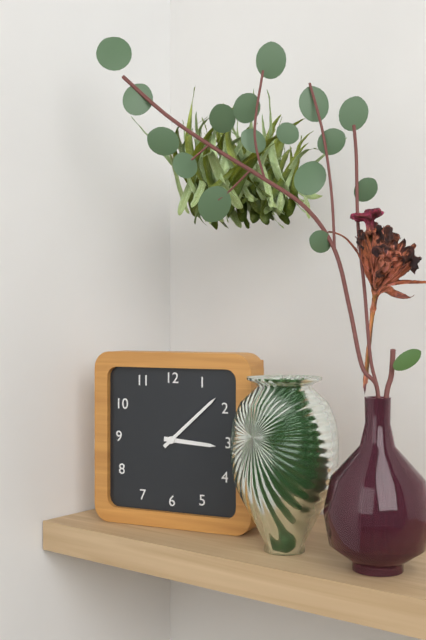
3:08
